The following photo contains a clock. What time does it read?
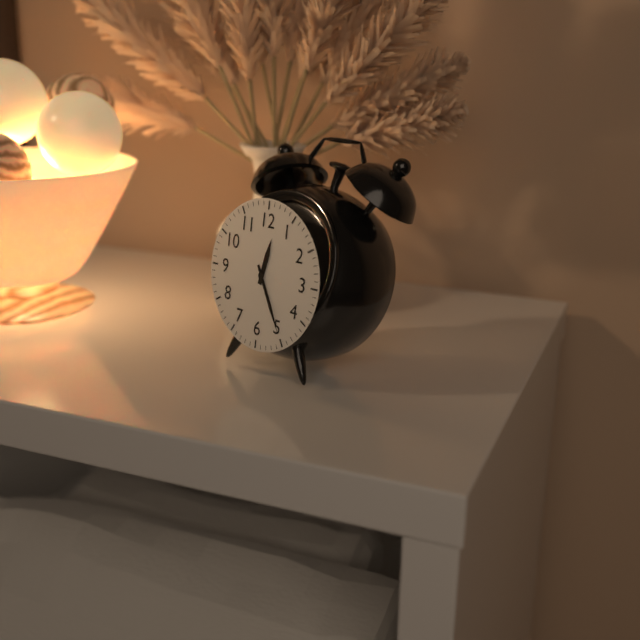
12:25
